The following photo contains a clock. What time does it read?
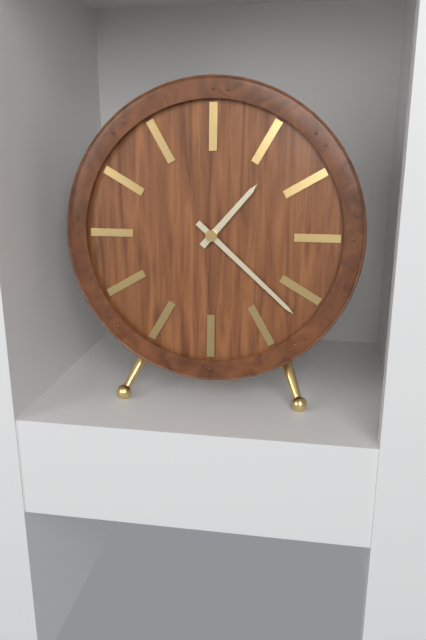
1:22
